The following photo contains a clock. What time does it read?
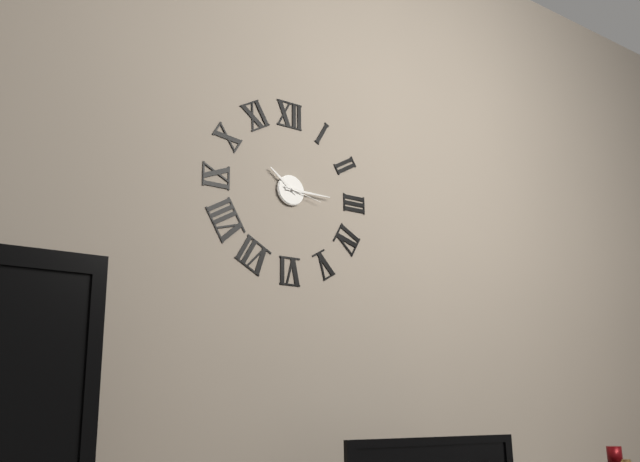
10:15
